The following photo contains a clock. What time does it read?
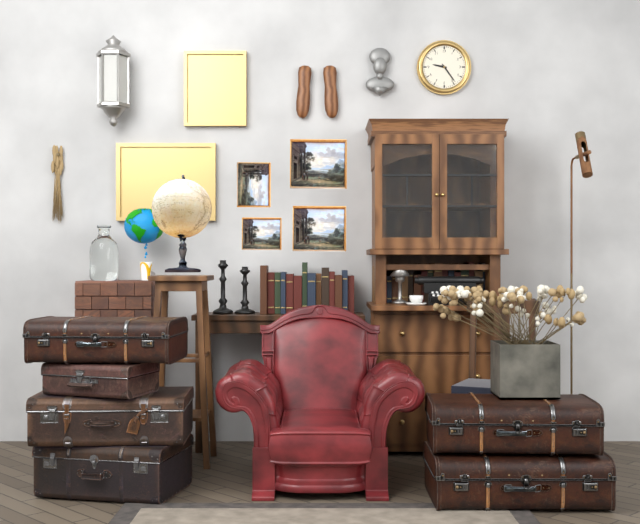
9:24
